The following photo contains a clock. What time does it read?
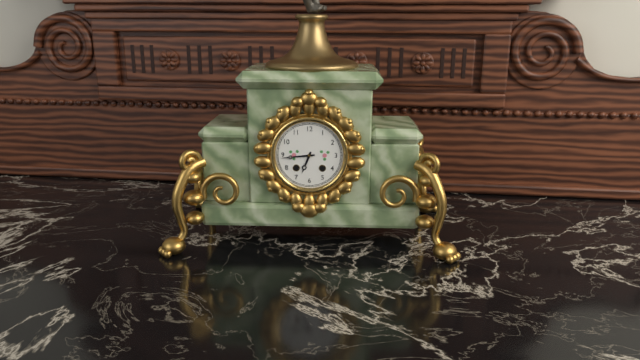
6:44
